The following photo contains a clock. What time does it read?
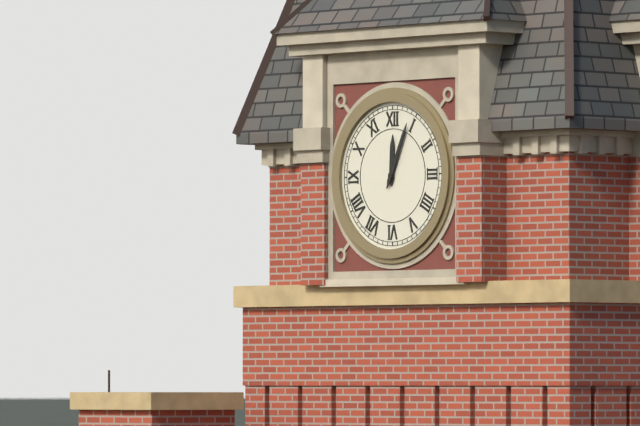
12:04
